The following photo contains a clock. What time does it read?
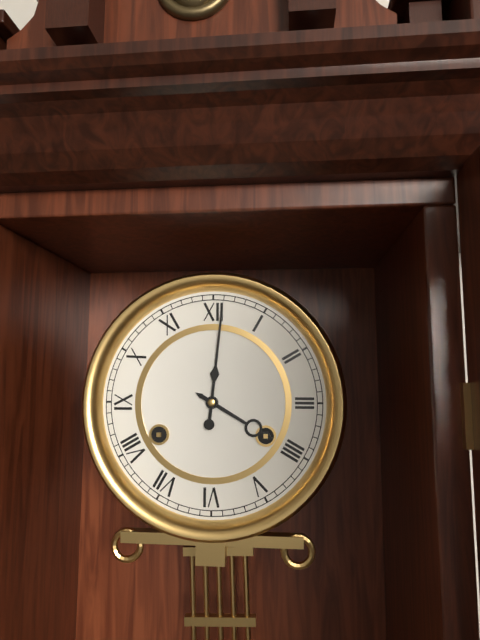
4:01
